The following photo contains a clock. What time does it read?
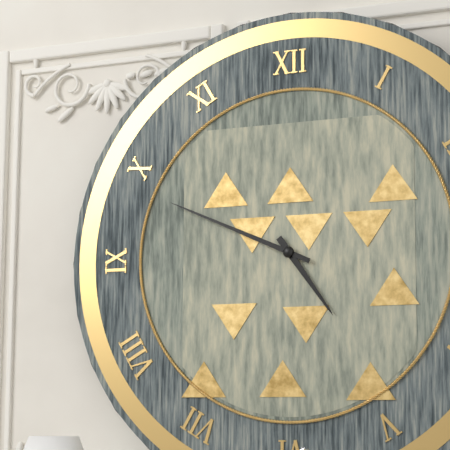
4:49
